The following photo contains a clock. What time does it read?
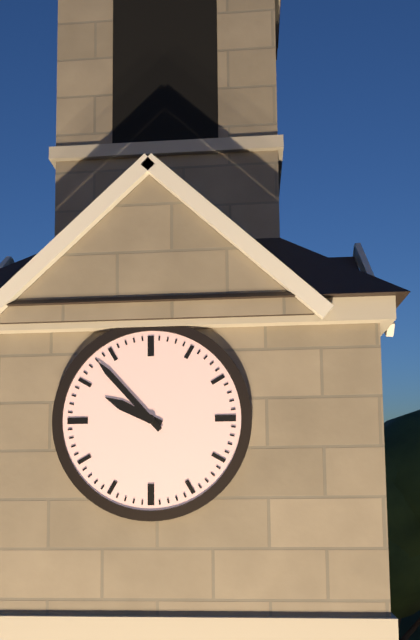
9:53
